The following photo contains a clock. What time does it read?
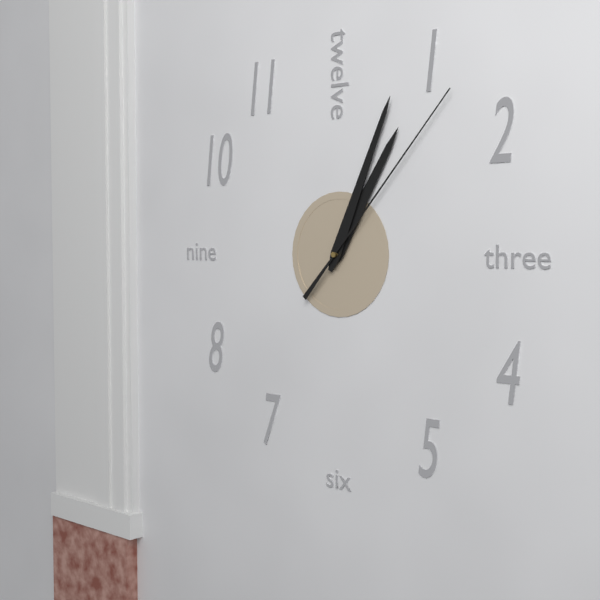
1:04:07
